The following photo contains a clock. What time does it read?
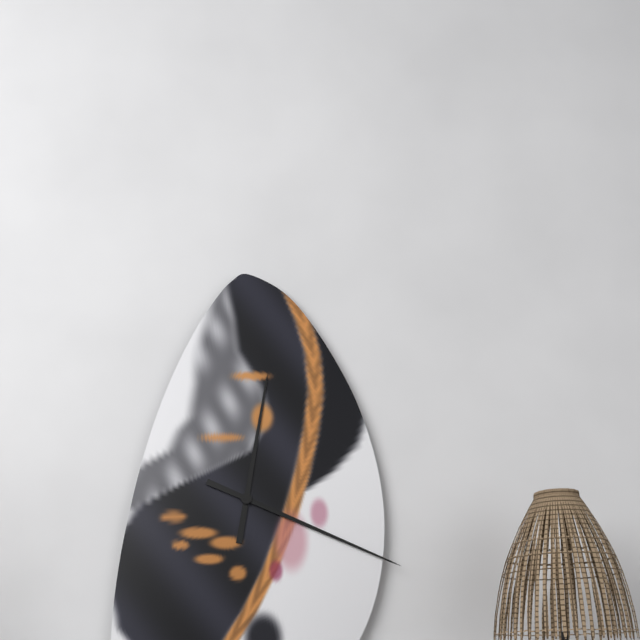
12:19
